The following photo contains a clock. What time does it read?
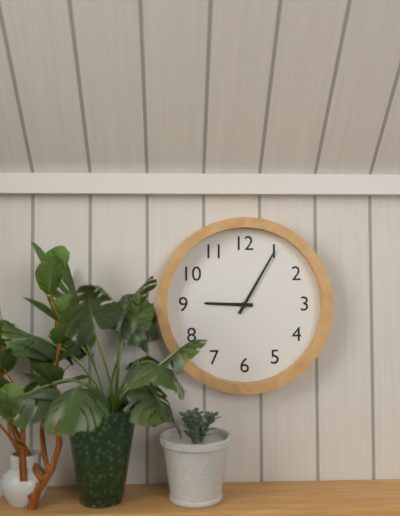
9:05
